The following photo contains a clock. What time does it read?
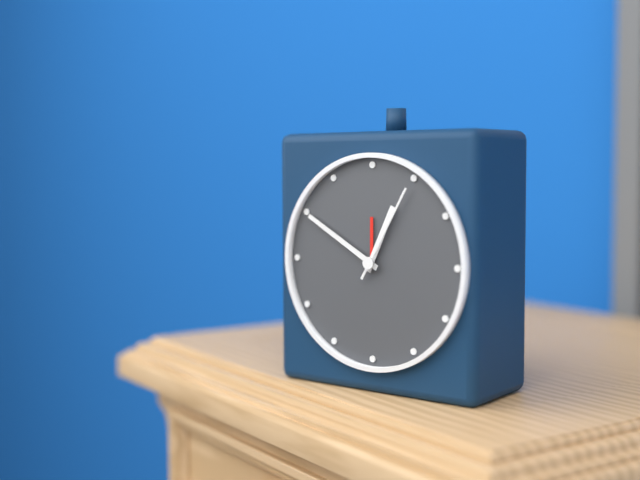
12:50:05
